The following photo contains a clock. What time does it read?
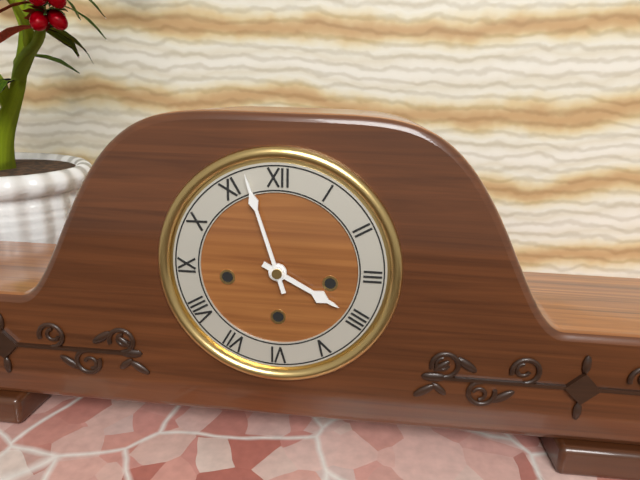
3:57
